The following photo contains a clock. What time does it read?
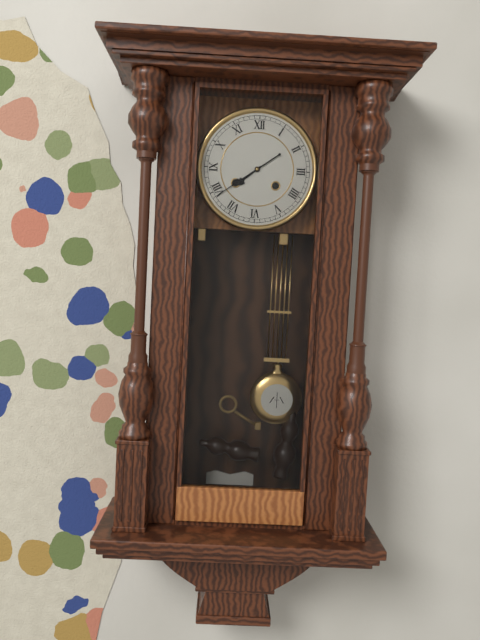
7:39
